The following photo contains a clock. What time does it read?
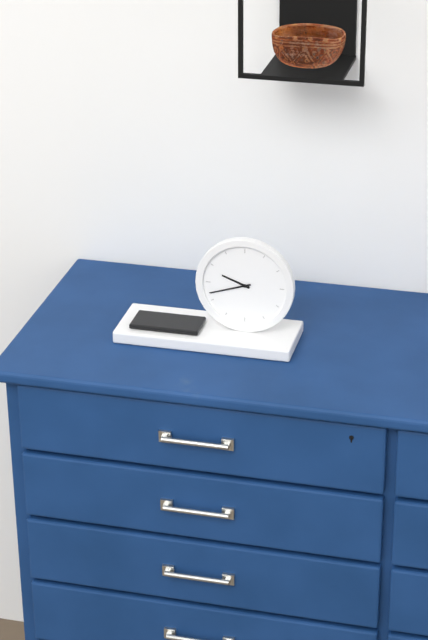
9:42
